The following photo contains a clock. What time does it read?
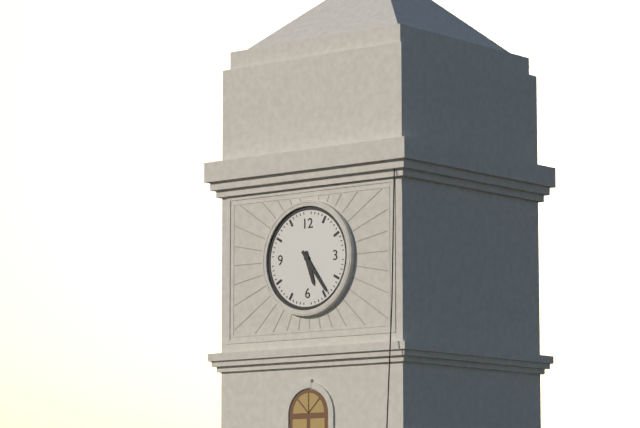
5:24
